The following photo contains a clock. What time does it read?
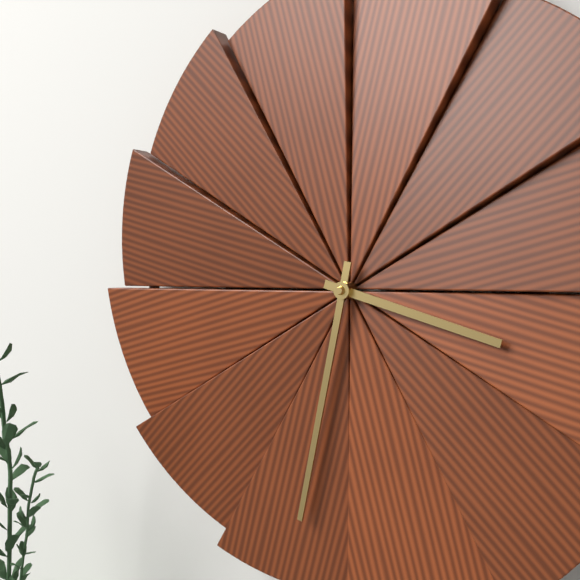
3:32
